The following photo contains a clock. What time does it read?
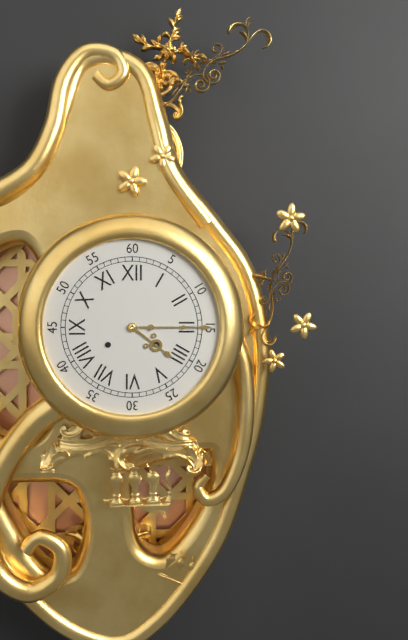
4:15
